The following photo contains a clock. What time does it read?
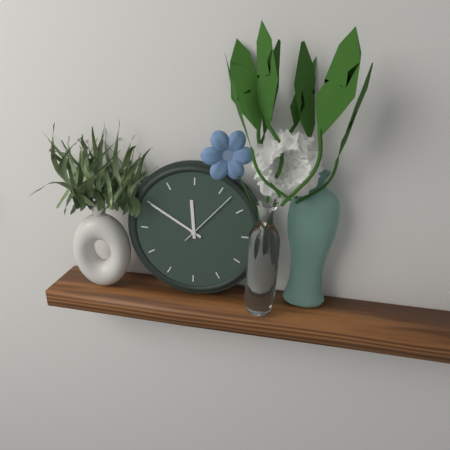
11:50:07
